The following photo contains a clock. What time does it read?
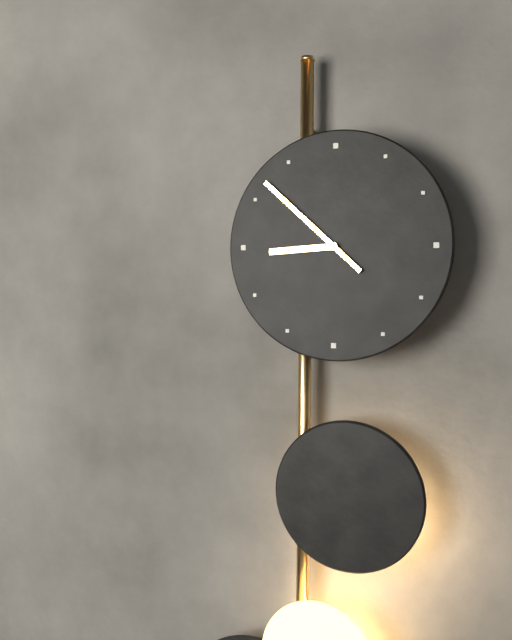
8:52
